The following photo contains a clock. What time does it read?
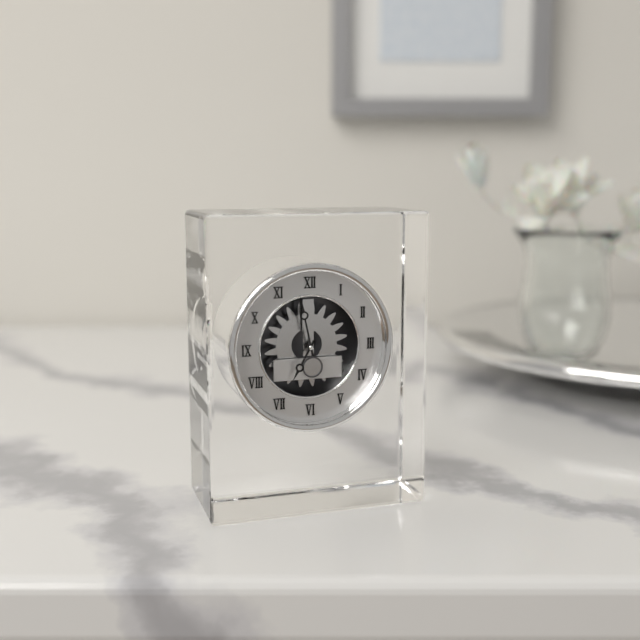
6:58
